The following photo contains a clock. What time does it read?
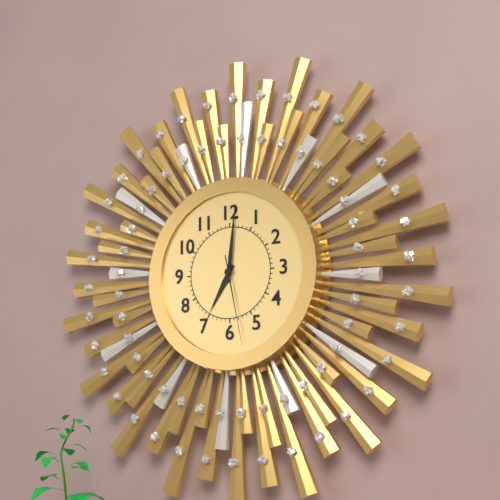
7:01:28
